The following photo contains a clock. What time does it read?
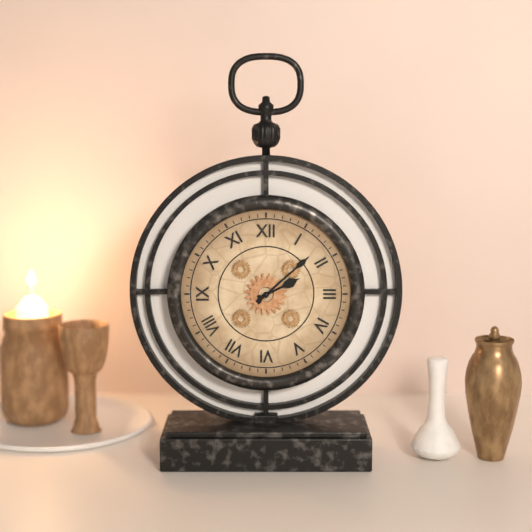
2:08
